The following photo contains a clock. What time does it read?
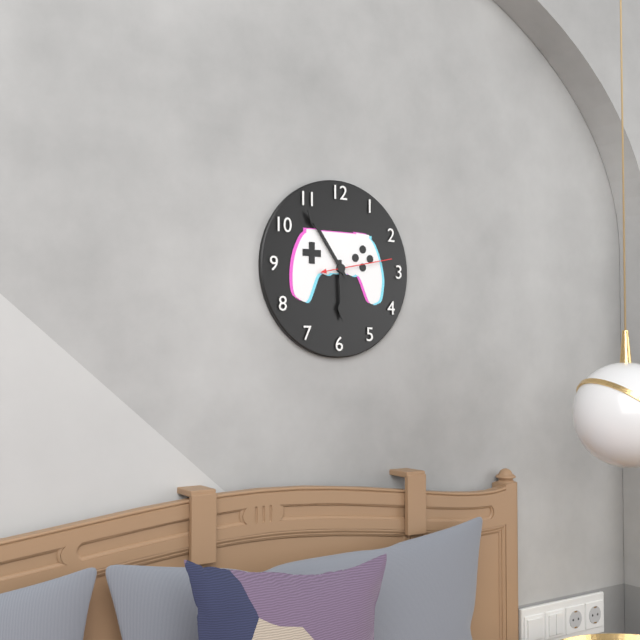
5:54:13
